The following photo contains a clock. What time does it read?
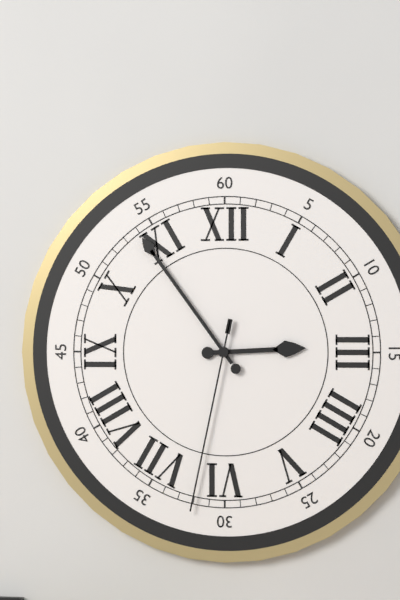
2:54:32
